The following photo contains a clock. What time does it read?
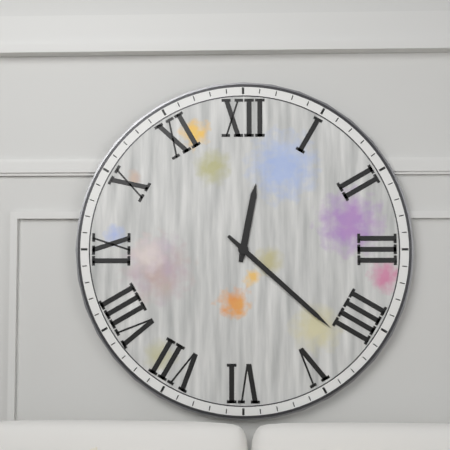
12:22
